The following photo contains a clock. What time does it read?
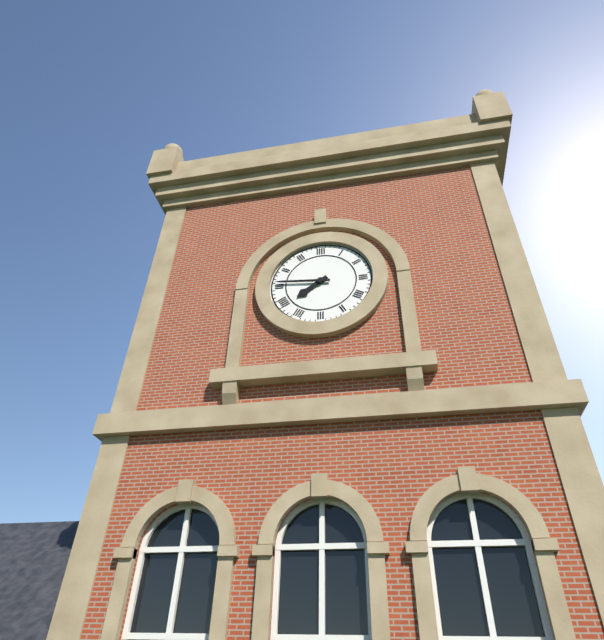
7:46
